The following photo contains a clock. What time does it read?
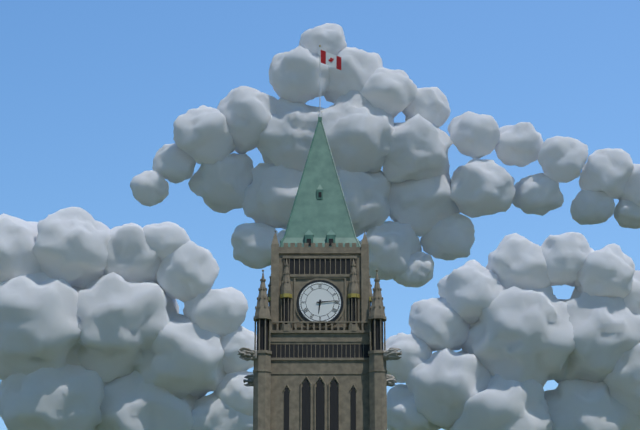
6:14
